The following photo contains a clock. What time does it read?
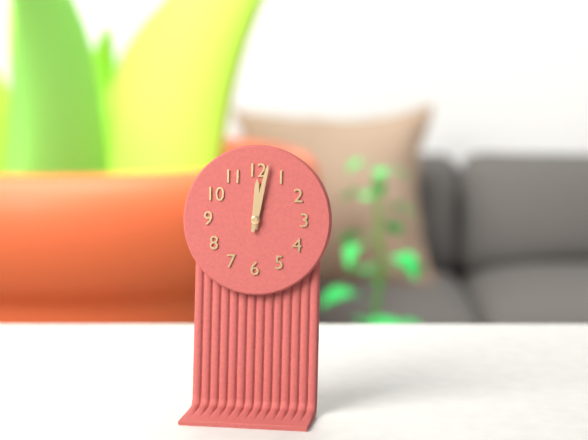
12:02
